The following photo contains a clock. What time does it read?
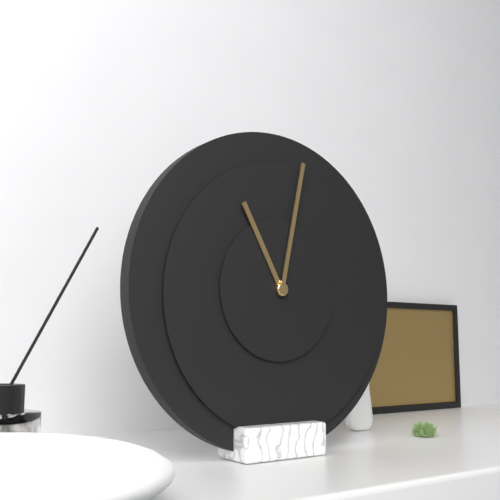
11:02
